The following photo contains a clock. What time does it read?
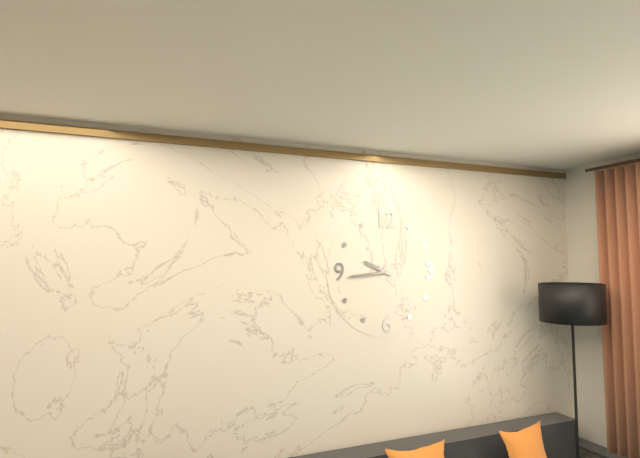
9:44
